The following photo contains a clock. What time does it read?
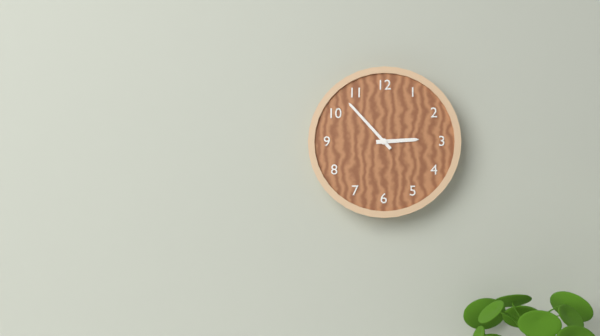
2:53
